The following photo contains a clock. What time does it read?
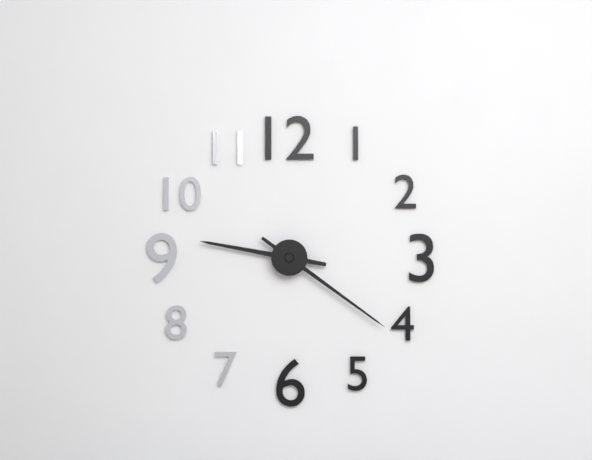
9:21
